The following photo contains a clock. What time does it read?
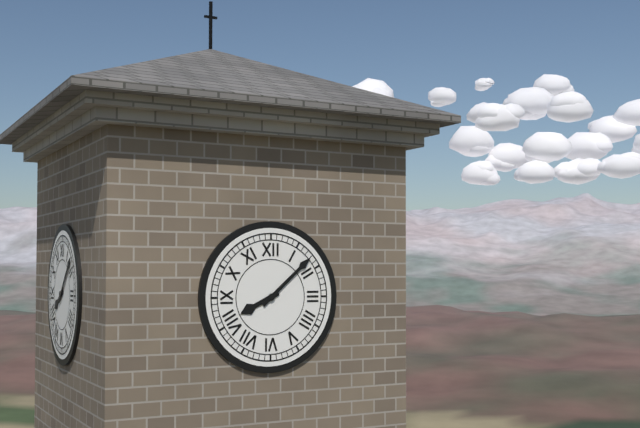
8:08
